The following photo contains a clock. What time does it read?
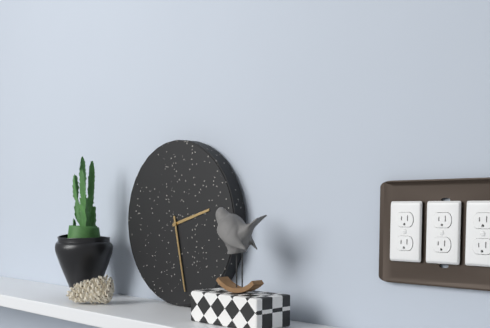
2:28
